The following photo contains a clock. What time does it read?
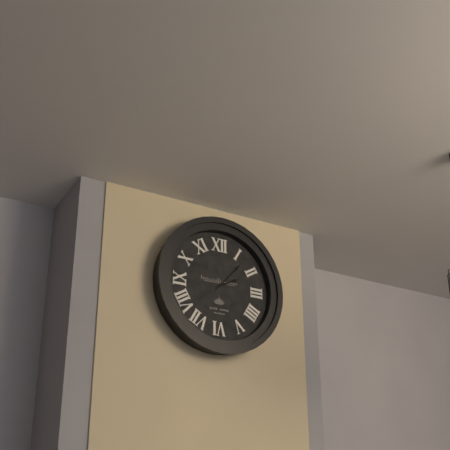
2:07
